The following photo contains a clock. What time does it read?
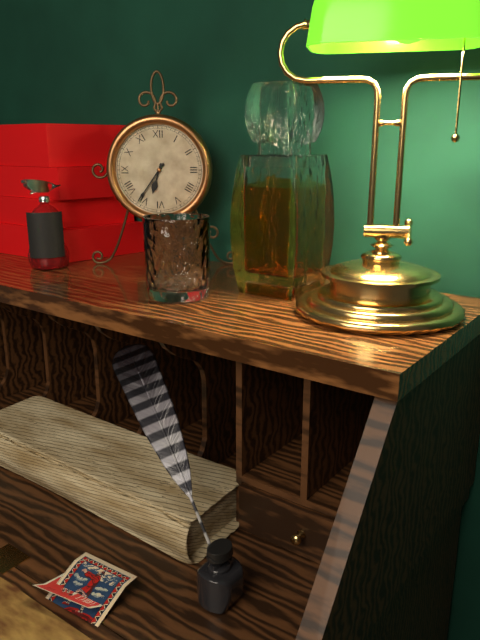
6:36
